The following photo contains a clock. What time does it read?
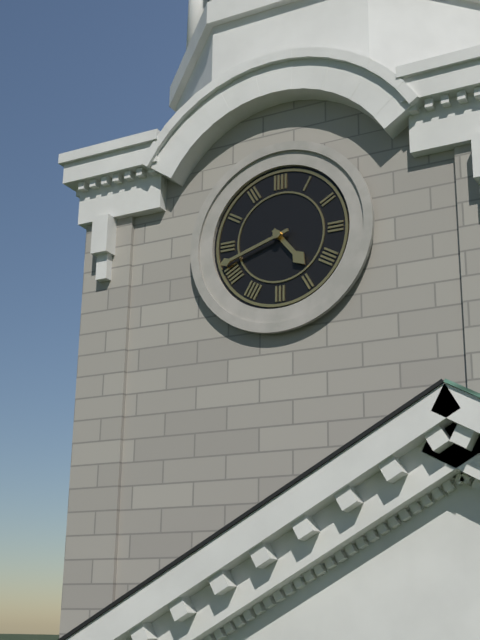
4:42
